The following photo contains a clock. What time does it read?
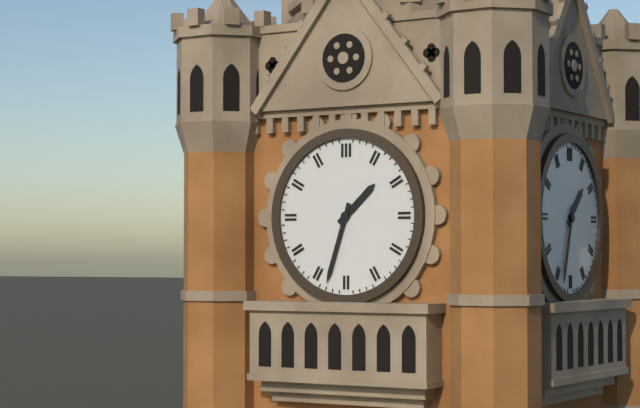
1:33
